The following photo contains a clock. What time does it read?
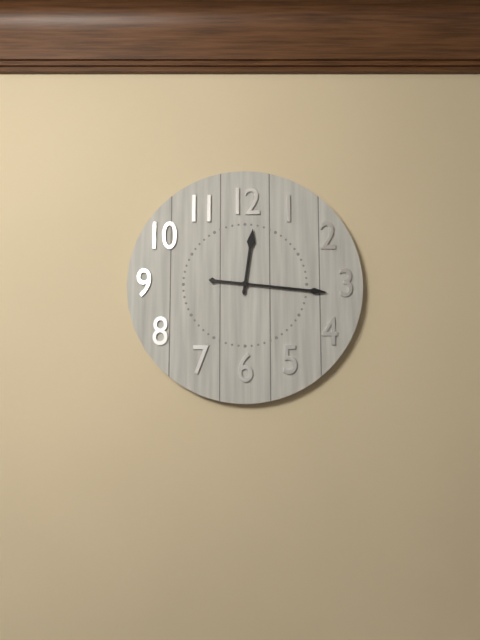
12:16
